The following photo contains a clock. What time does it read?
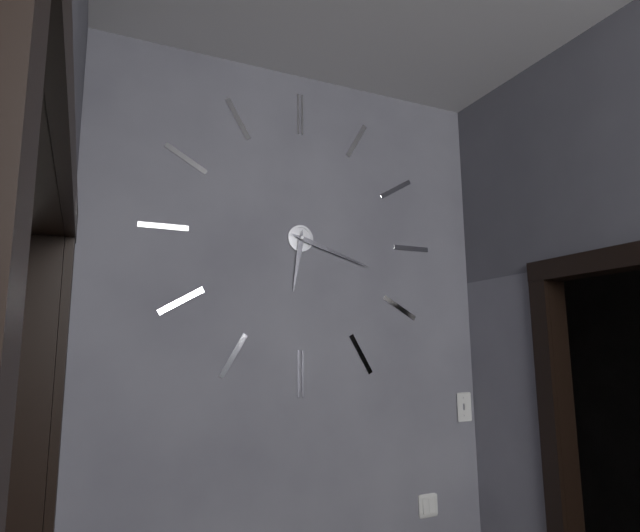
6:18
